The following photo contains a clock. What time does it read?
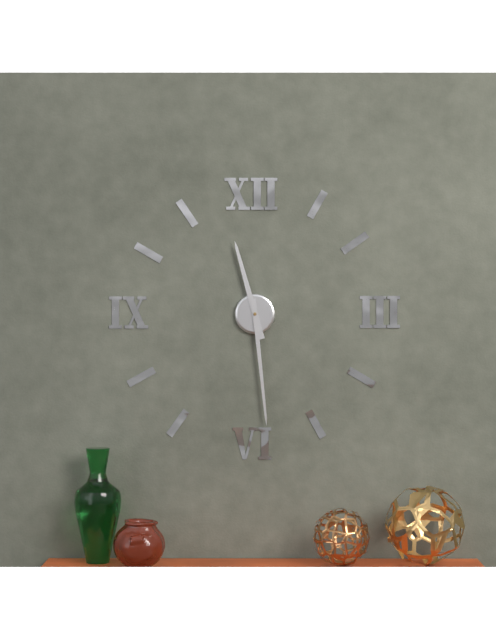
11:29
